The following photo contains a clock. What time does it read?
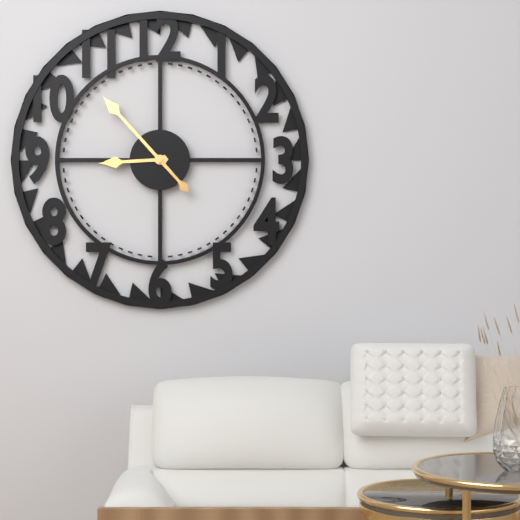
8:53
